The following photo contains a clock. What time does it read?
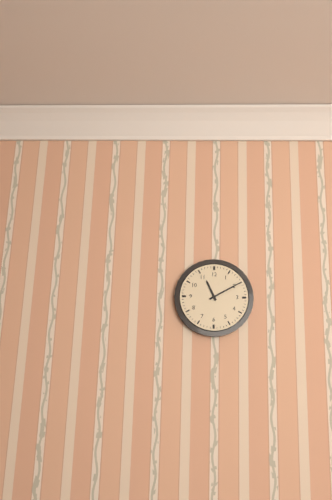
11:10
